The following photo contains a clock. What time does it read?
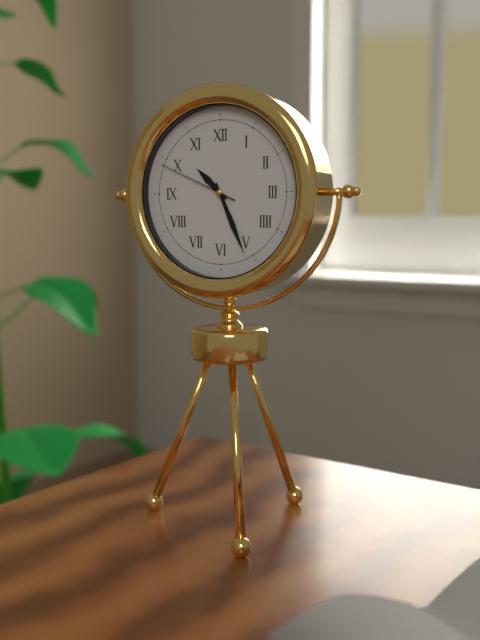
10:26:49
